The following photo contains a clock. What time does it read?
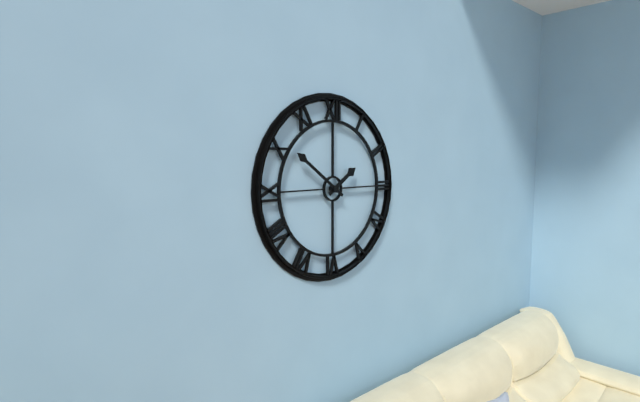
1:51
